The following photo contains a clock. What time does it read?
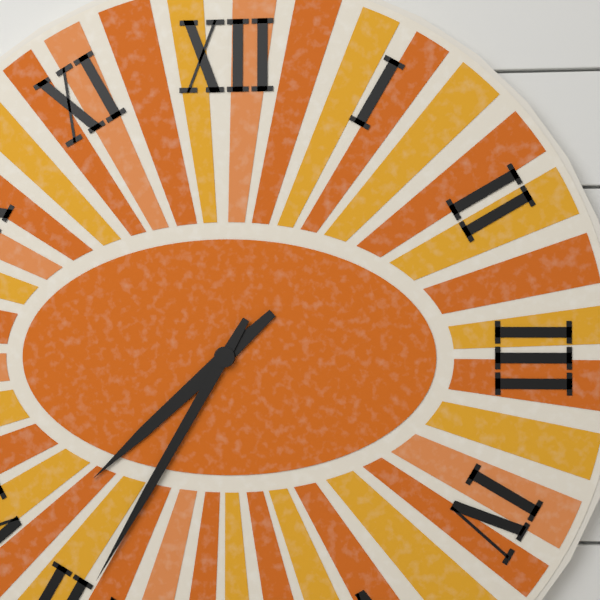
7:35
